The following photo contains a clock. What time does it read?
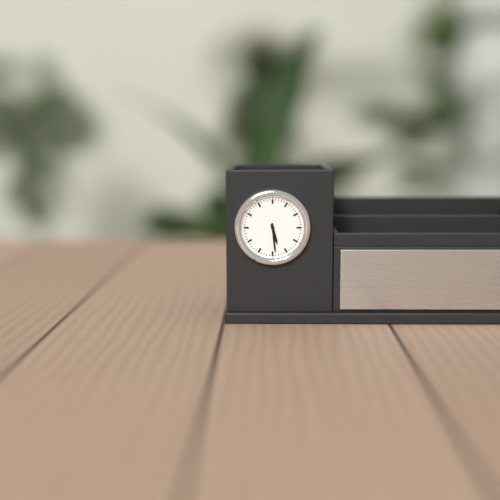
5:29
